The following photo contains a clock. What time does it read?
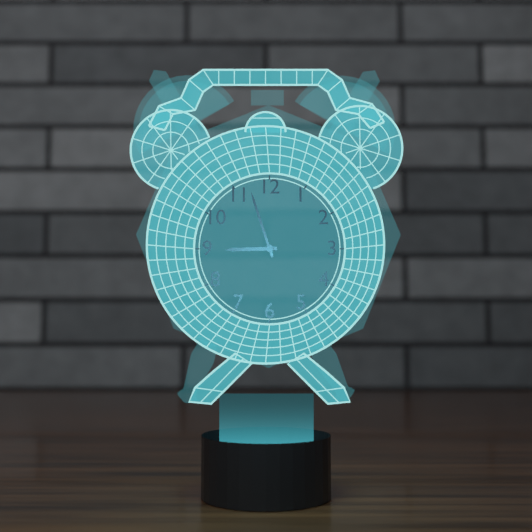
8:57
